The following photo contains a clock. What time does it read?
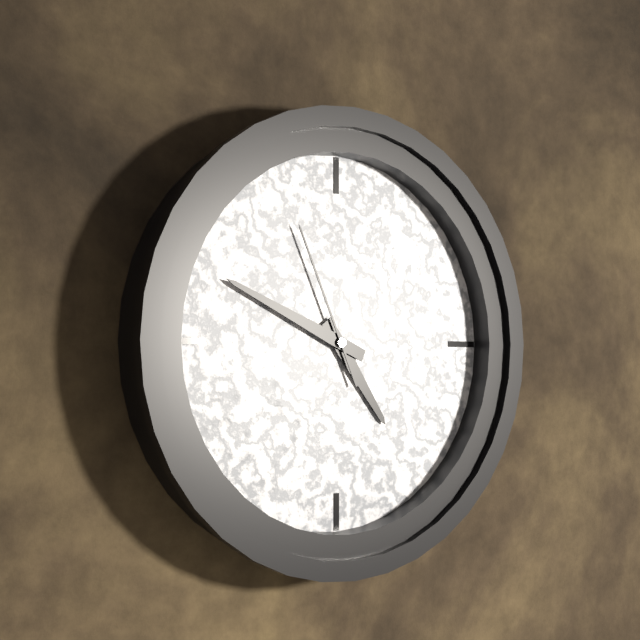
4:49:56
